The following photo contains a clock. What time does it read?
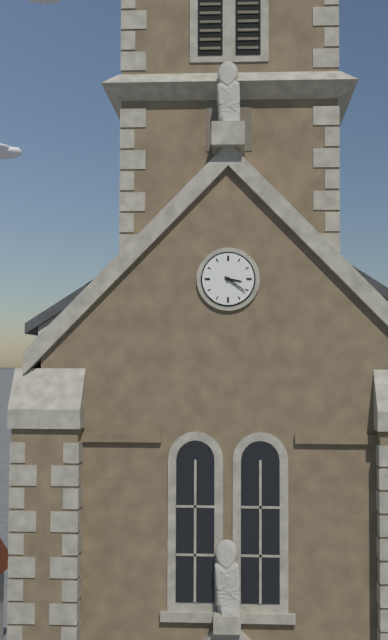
3:21
